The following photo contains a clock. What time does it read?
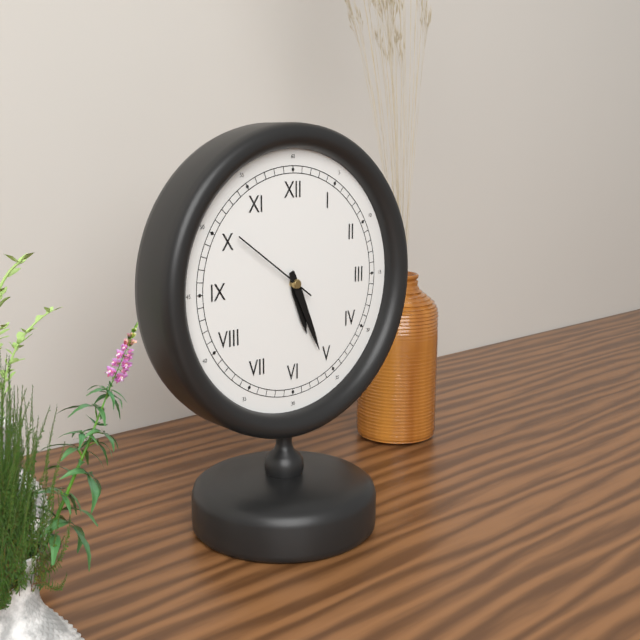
5:26:51
